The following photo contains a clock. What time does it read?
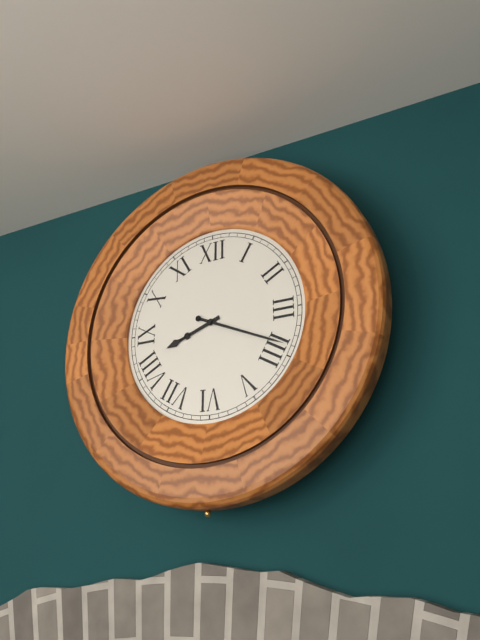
8:19
